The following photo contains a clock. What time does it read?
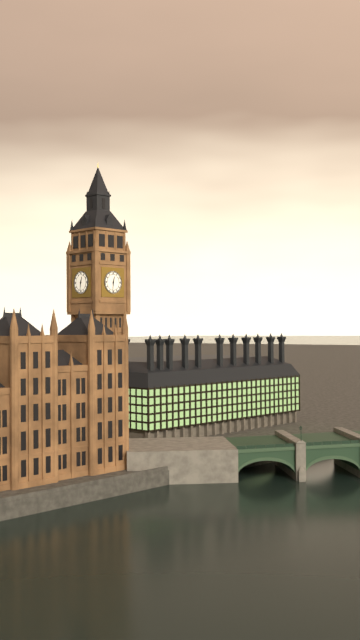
12:31
